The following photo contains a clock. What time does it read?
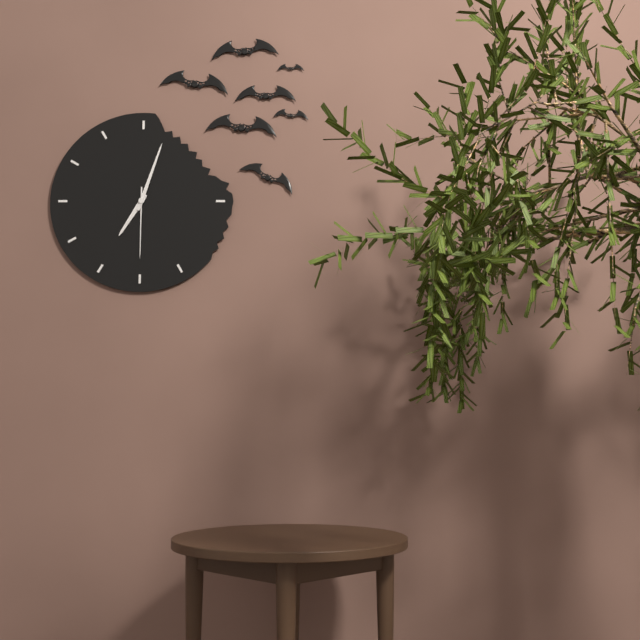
7:03:30
